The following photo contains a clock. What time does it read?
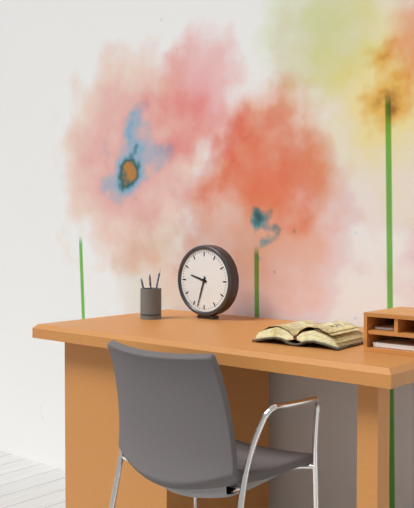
9:33
